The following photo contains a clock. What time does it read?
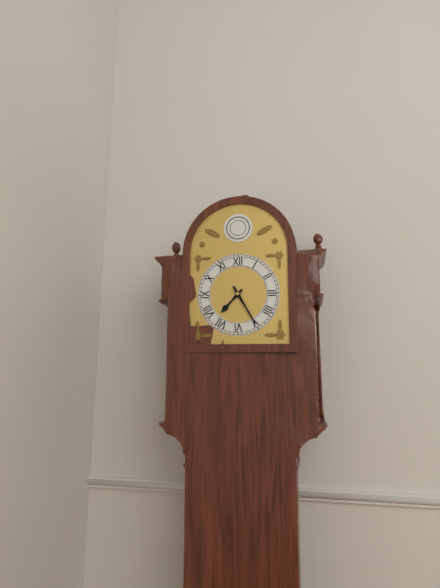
7:25
